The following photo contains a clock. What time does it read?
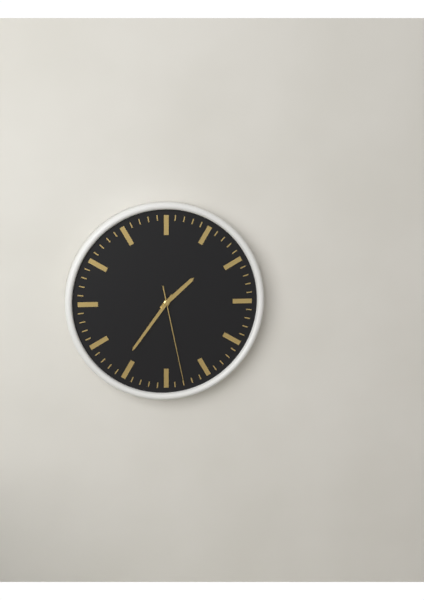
1:36:28
